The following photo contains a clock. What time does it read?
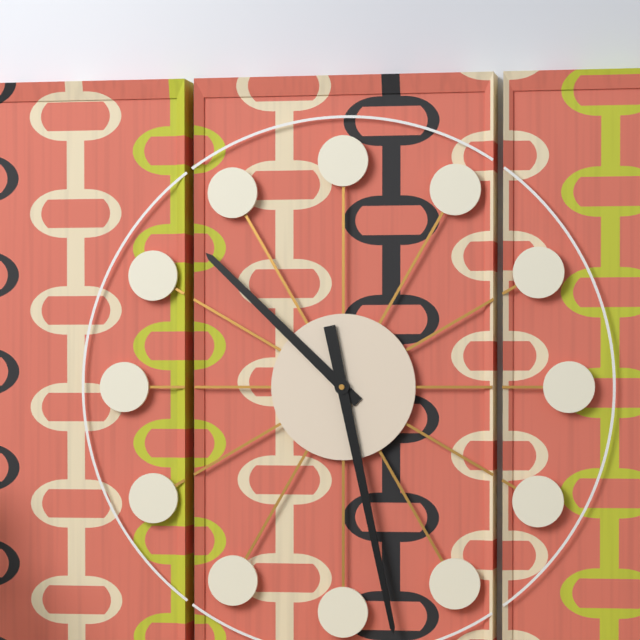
10:28
